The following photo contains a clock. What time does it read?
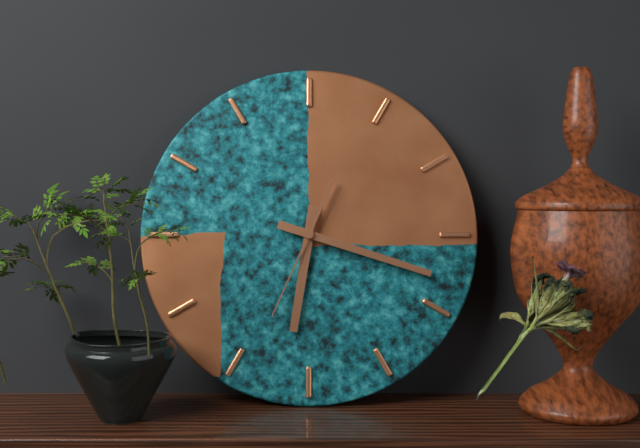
6:18:34
